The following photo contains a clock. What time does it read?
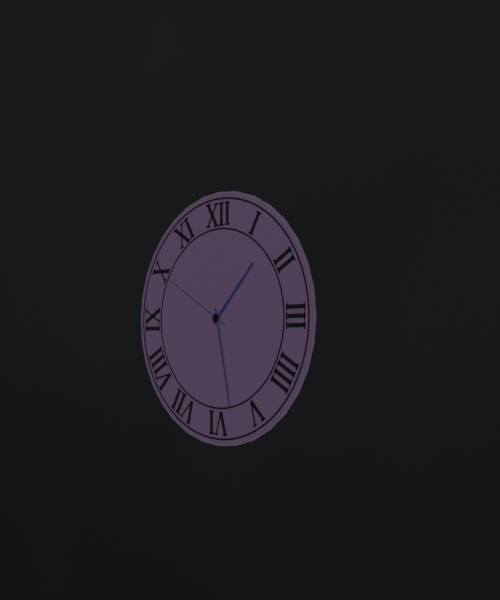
1:28:50
